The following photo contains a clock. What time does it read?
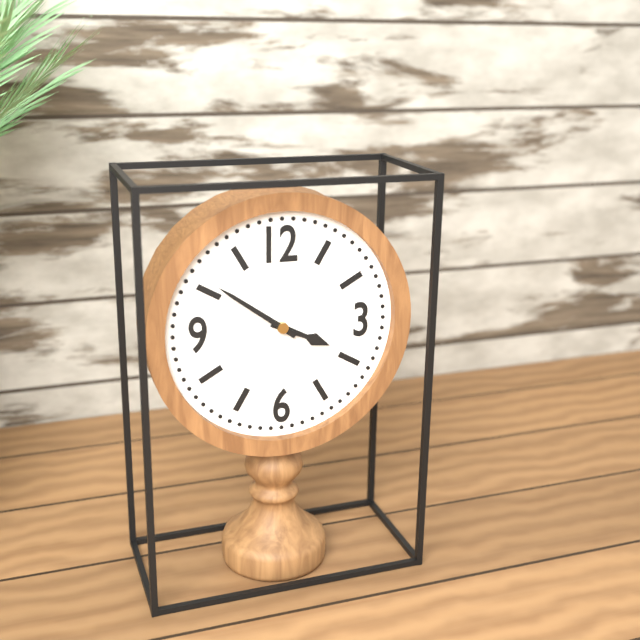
3:51
